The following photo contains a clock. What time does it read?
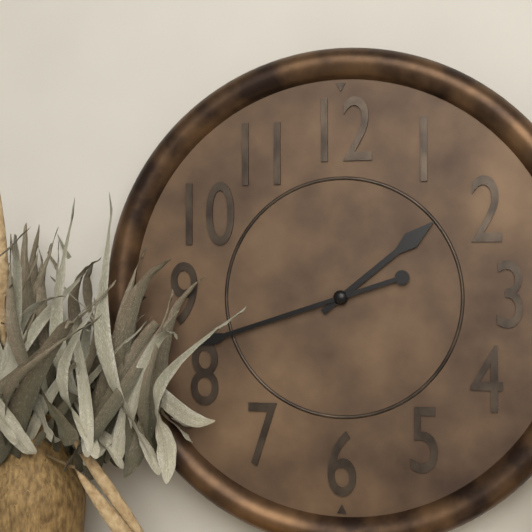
1:42
